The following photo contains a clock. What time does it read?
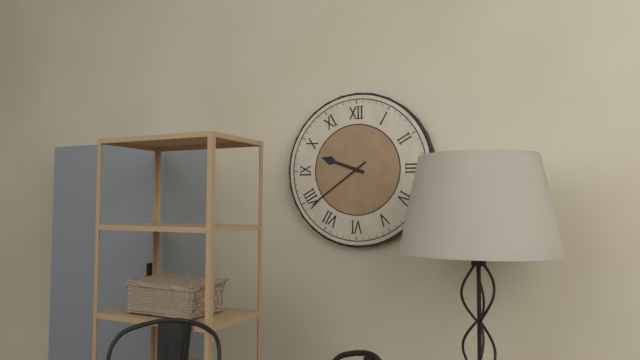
9:39
